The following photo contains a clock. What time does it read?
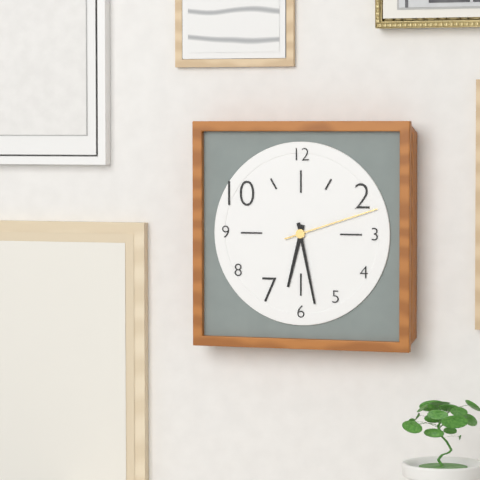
6:28:12
